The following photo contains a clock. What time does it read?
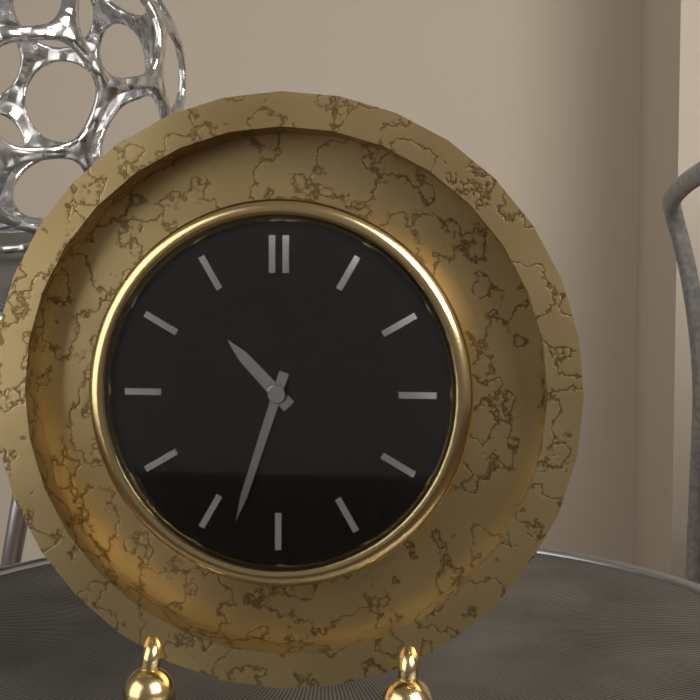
10:33
